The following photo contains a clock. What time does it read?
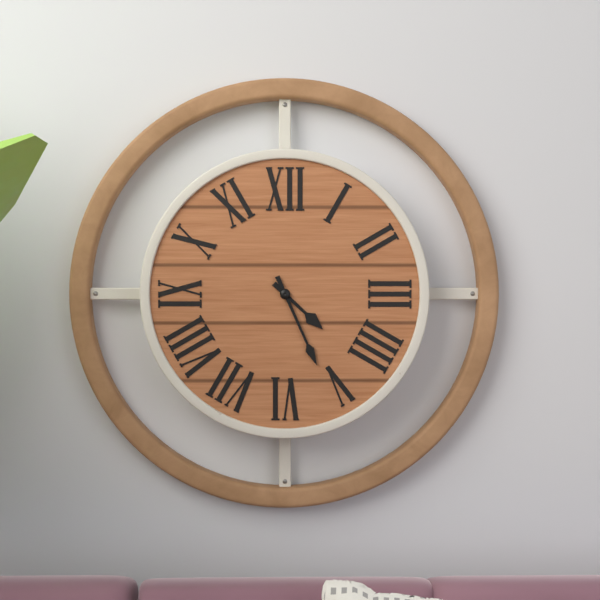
4:26
